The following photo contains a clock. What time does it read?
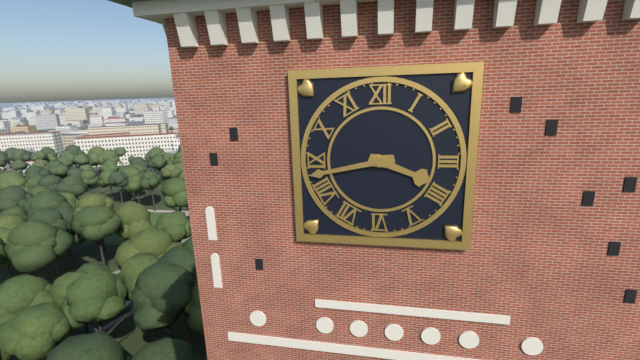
3:43
